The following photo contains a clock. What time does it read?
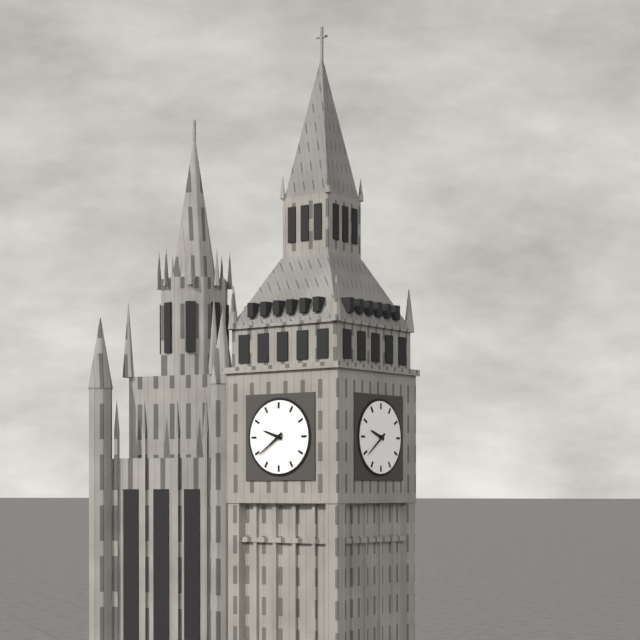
9:39
